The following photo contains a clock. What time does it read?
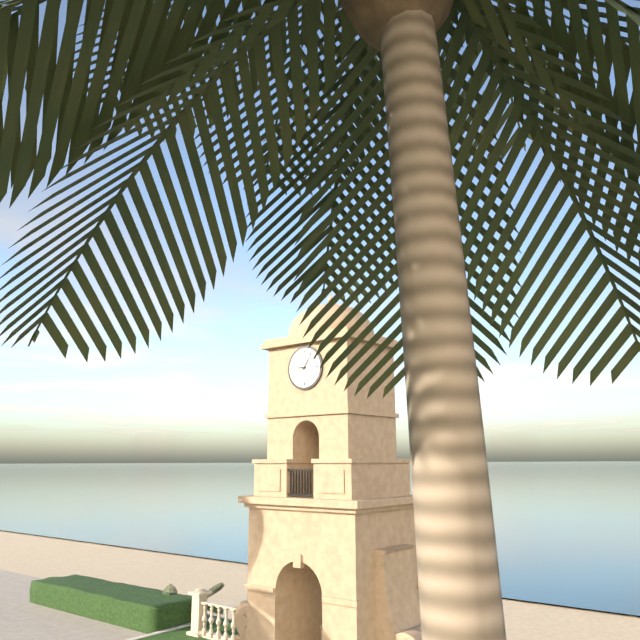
9:06
